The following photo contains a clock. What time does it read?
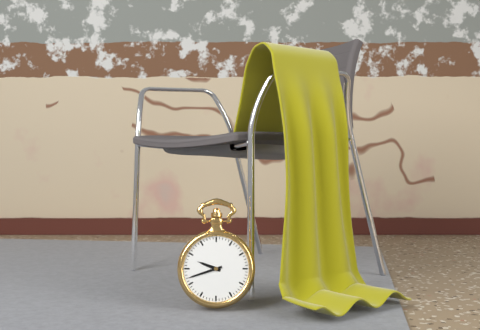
9:42
